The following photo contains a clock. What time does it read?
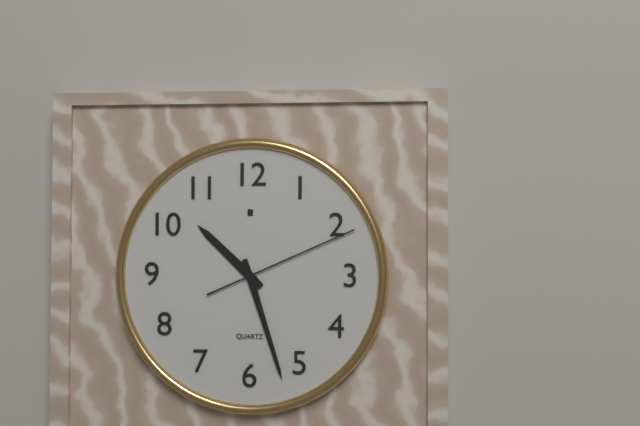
10:27:11
